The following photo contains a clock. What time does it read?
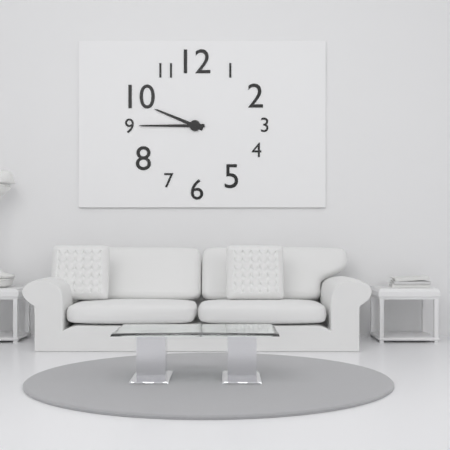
9:45
